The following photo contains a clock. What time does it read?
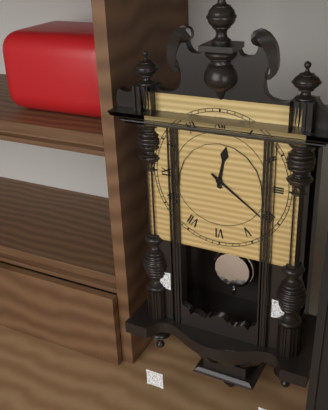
12:21
